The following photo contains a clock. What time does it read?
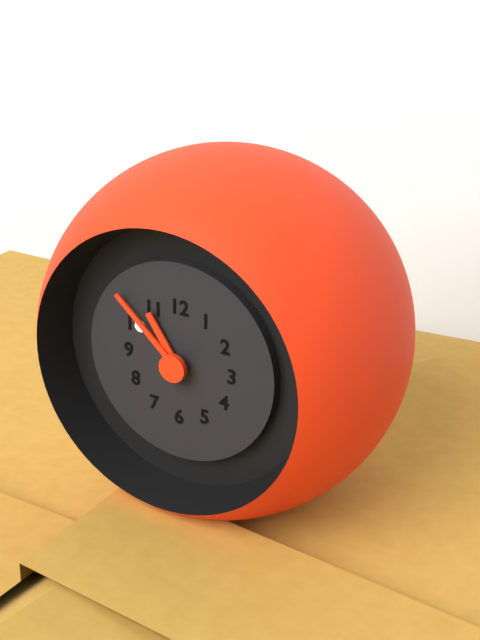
10:52
